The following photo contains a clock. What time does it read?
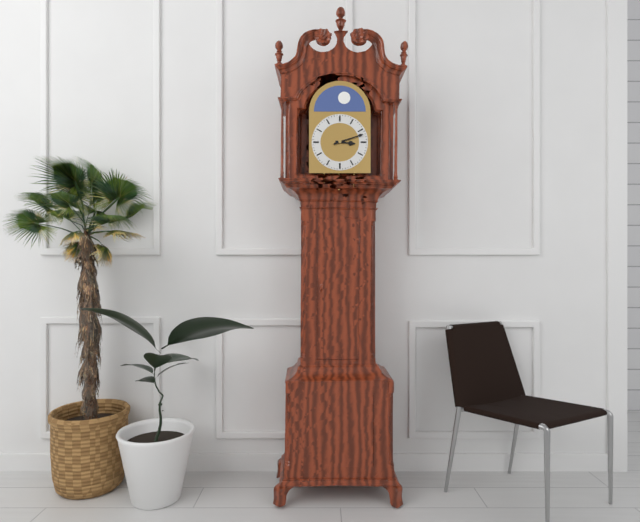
3:12
